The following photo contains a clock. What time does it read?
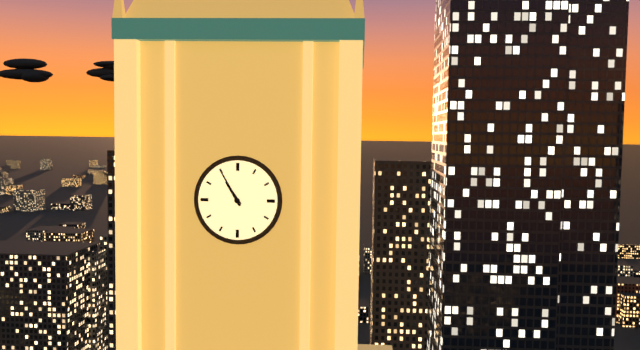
10:55
